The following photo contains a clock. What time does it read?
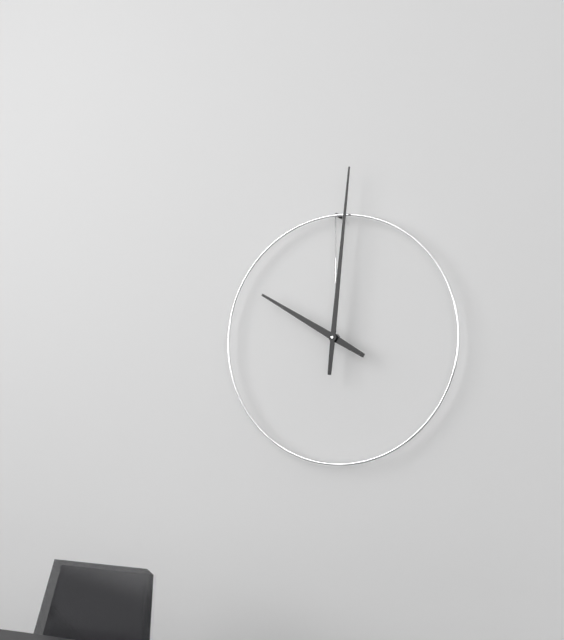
10:01
